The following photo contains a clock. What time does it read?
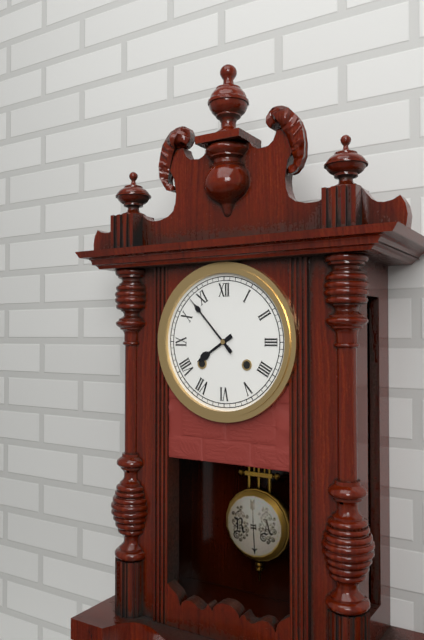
7:53
